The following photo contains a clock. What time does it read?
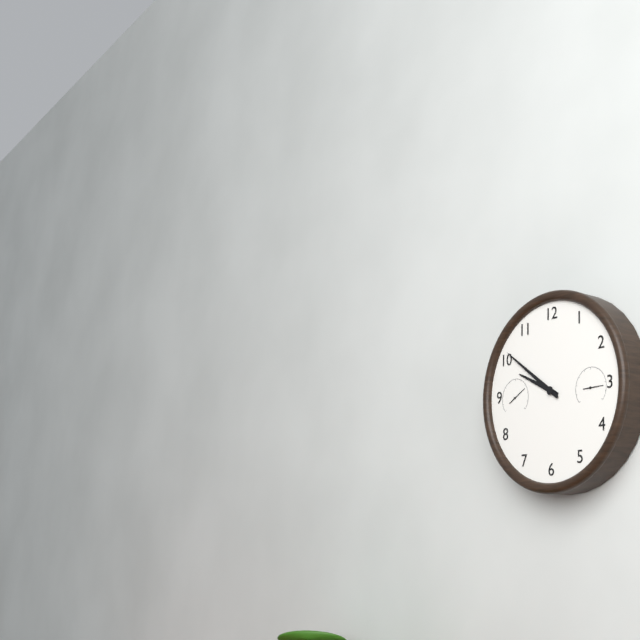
9:51
